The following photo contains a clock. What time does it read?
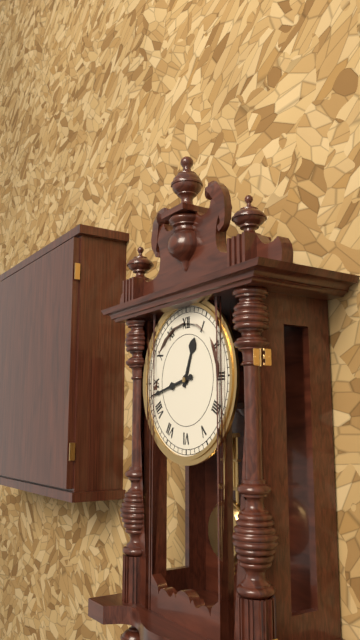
12:43
